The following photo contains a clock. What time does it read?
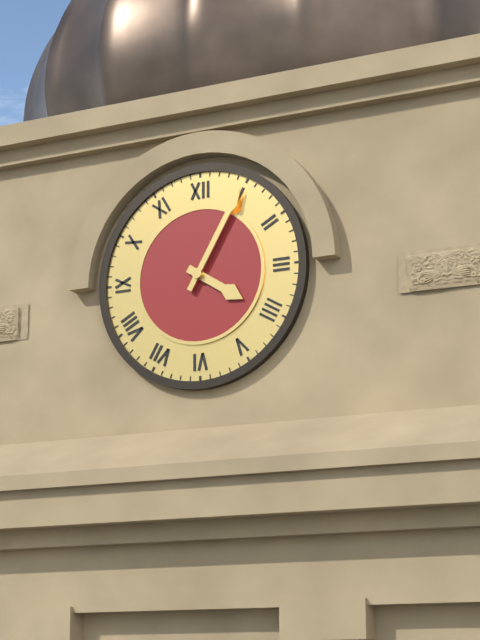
4:05
